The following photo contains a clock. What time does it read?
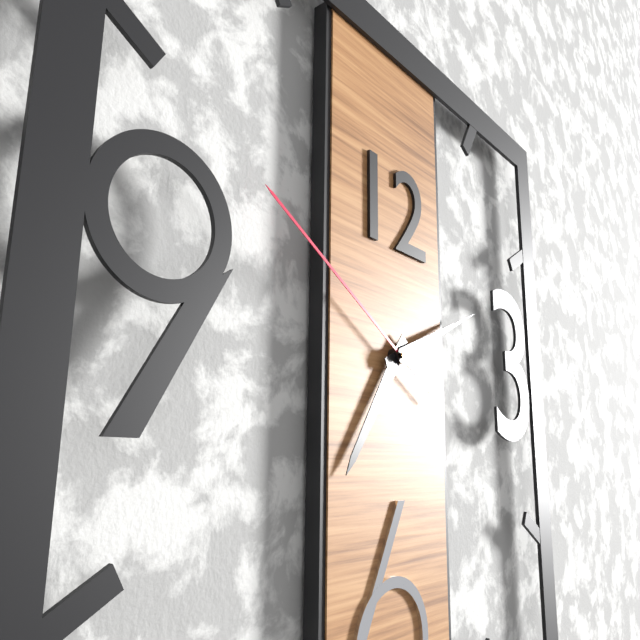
7:11:50
